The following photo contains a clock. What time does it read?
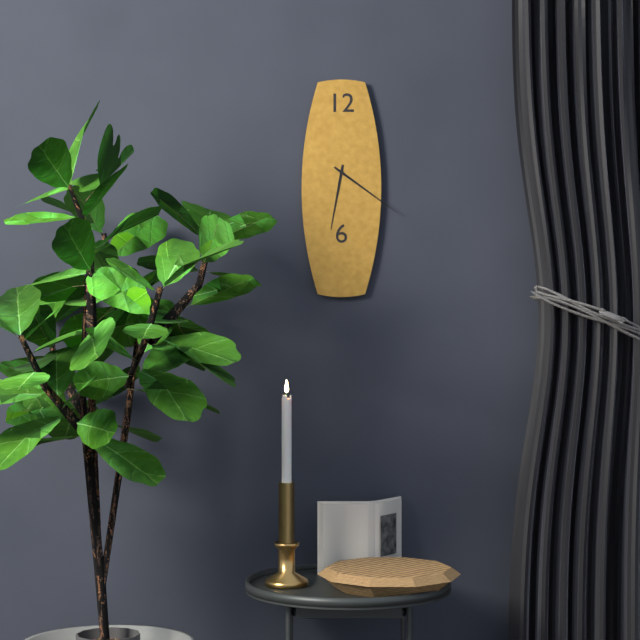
6:21
